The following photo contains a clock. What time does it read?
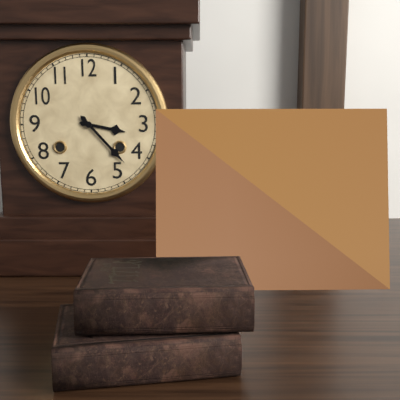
3:23
